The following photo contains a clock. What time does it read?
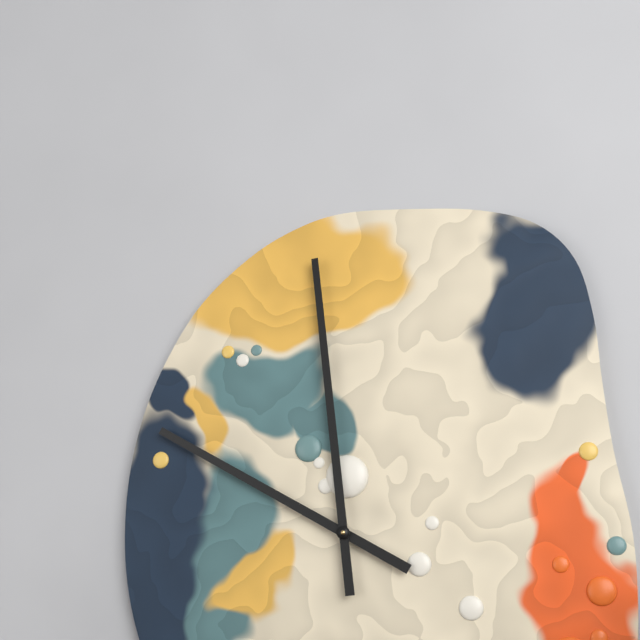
9:59
